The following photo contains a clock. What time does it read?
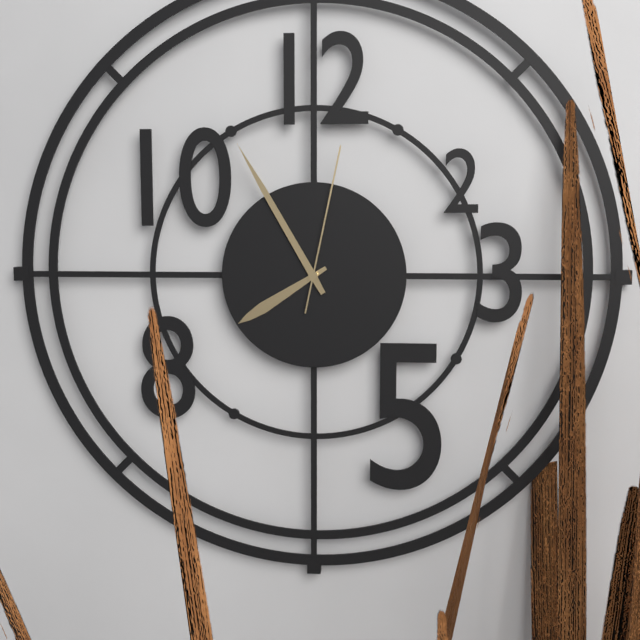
7:55:02
